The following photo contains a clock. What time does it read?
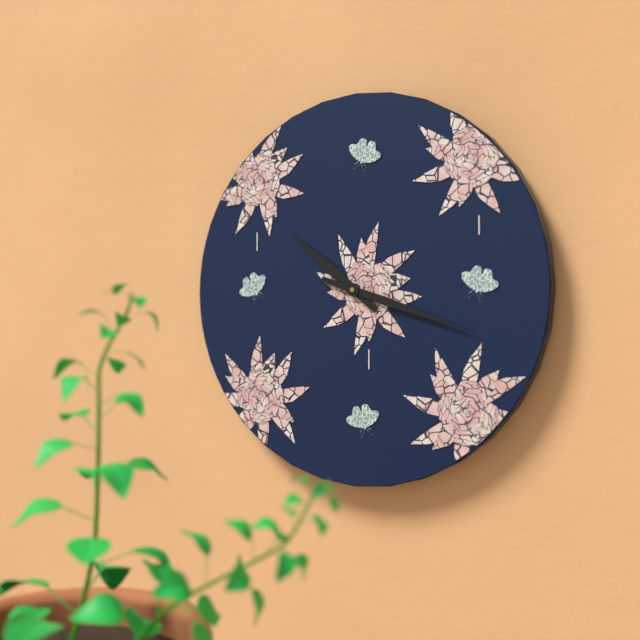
10:18
